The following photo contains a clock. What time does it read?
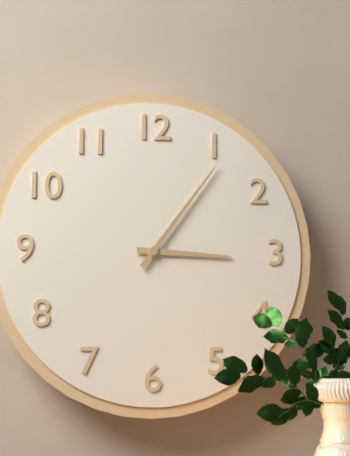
3:06
